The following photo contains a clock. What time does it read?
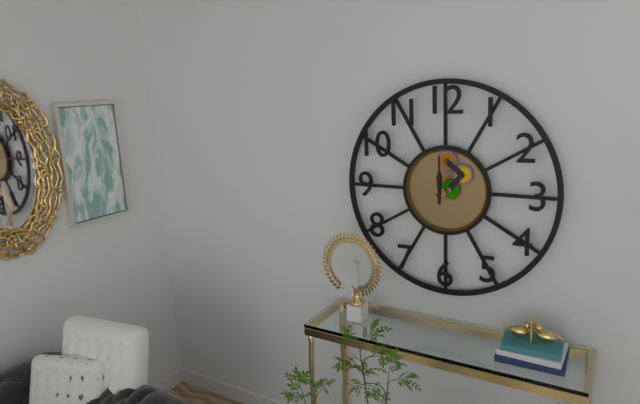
12:00
